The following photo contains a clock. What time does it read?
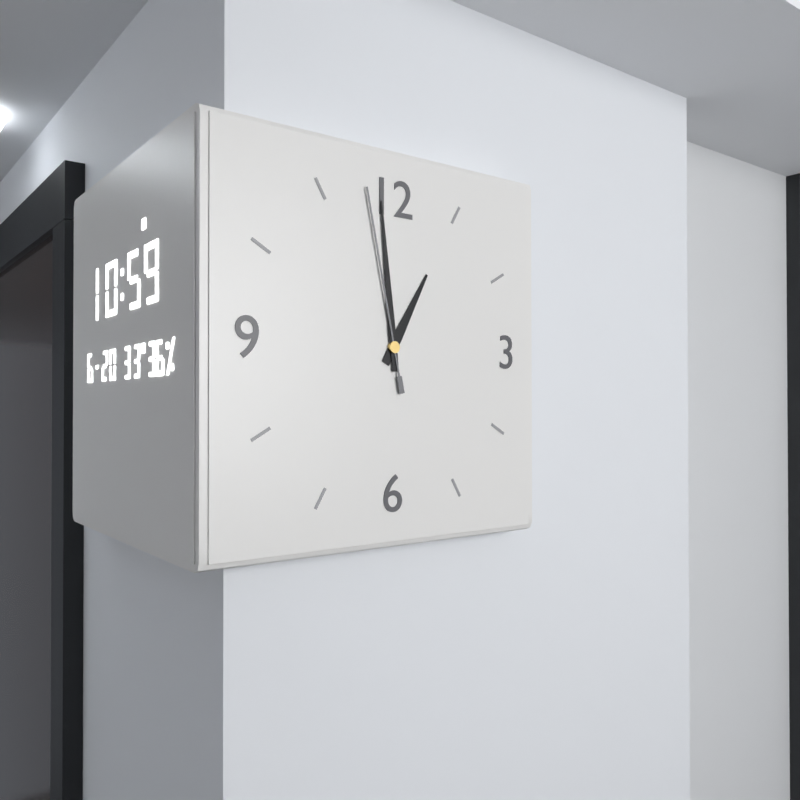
12:59:58
